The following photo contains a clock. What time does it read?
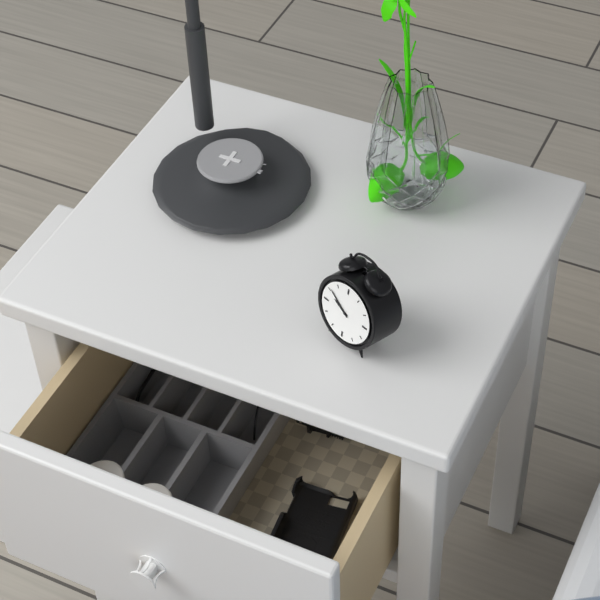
9:51
